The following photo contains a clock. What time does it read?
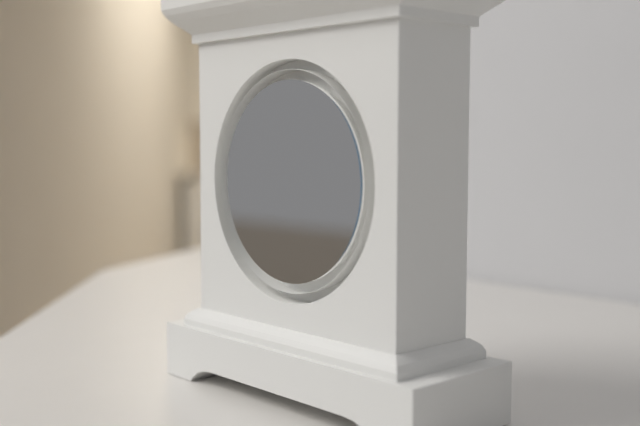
9:49
